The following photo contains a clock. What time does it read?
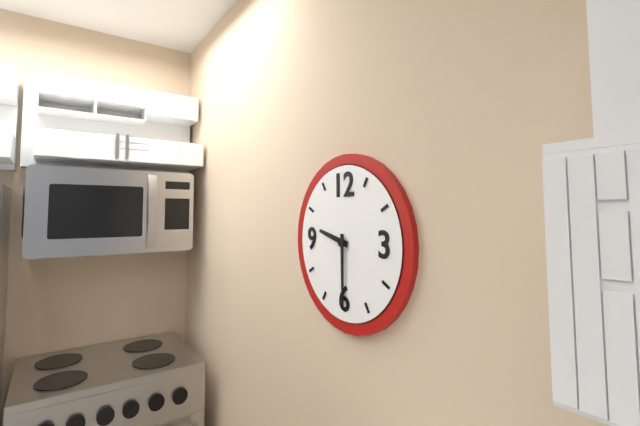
9:30
